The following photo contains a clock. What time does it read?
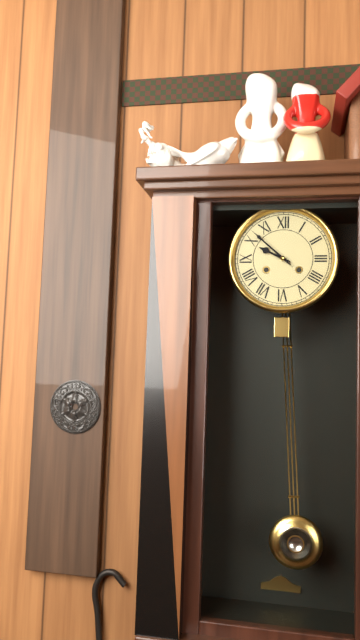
9:52
